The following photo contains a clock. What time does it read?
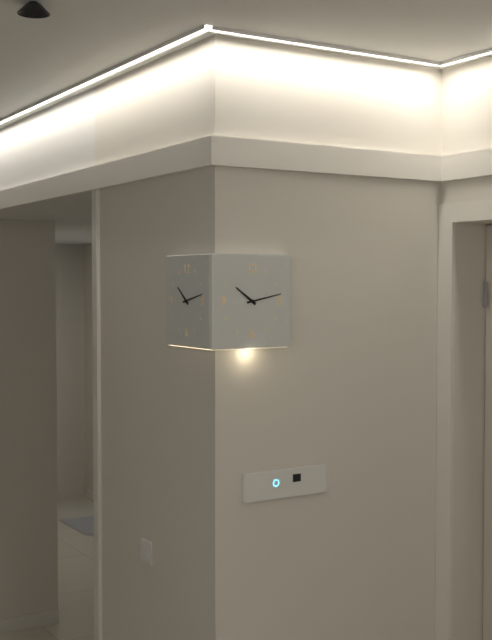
10:13
